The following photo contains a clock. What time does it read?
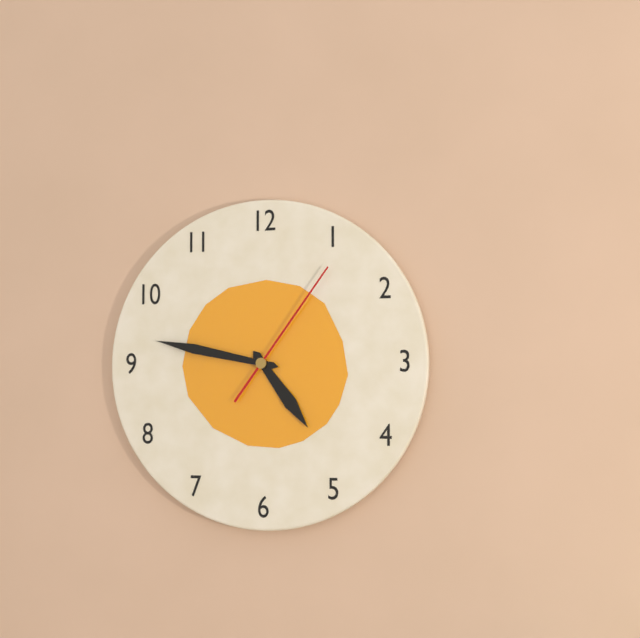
4:47:06
